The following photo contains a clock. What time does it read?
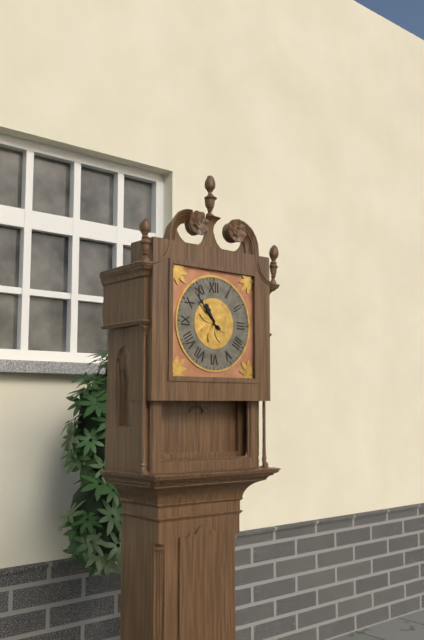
10:53
